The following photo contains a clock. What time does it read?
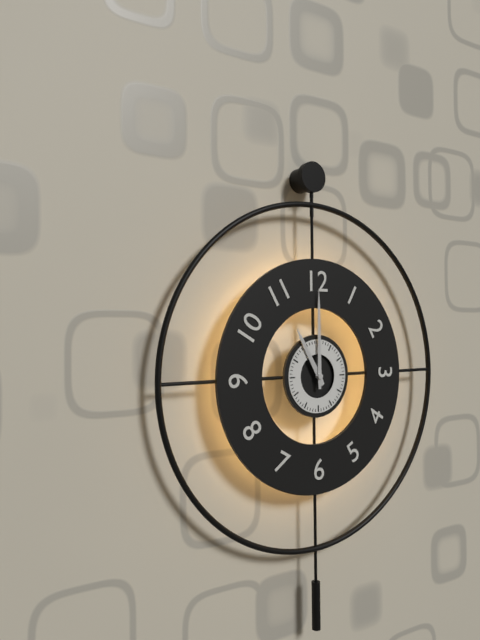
11:00
